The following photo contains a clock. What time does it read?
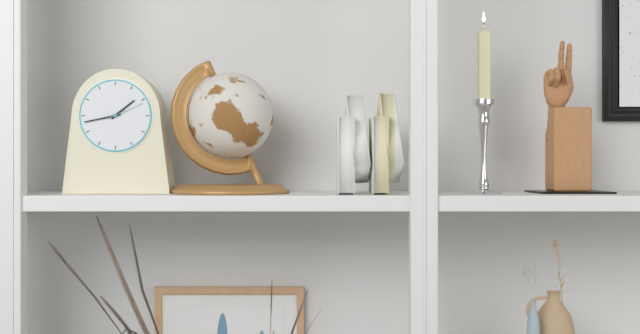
1:43
